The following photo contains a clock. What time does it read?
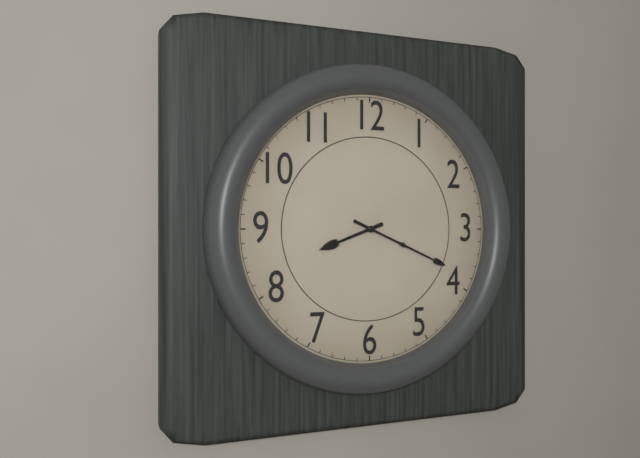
8:19
